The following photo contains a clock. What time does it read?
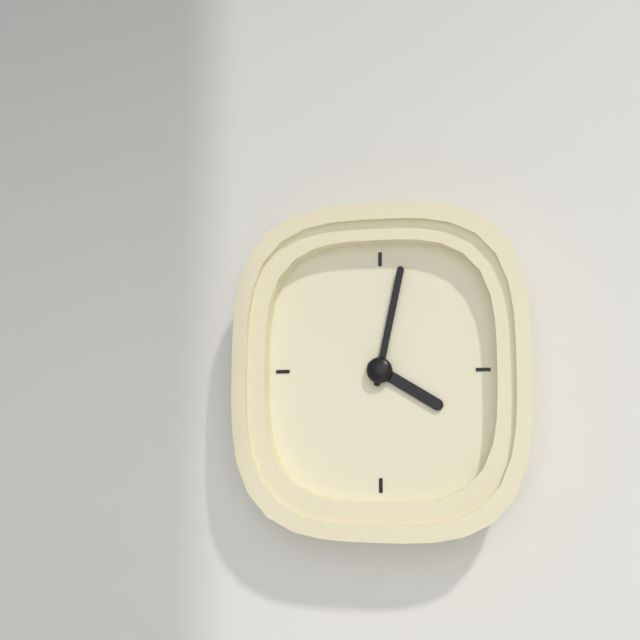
4:02
